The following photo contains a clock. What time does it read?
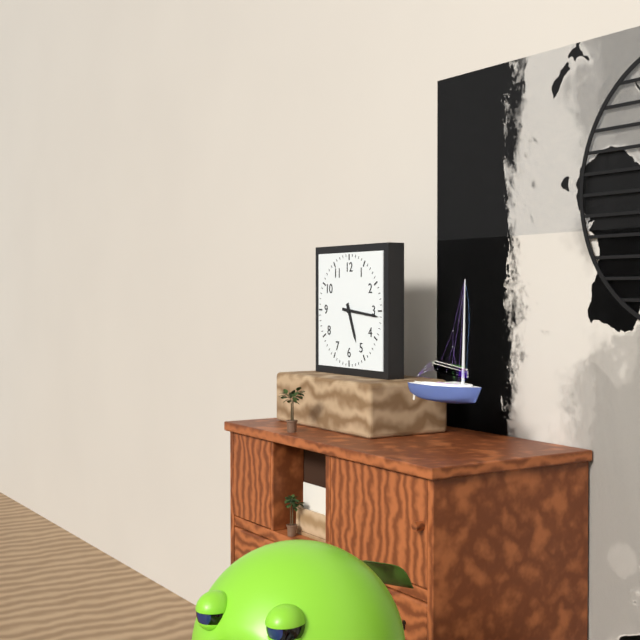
5:16
